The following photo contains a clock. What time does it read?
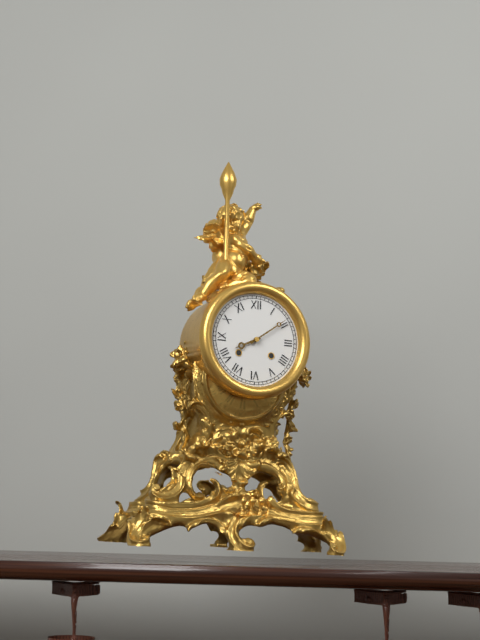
8:09
